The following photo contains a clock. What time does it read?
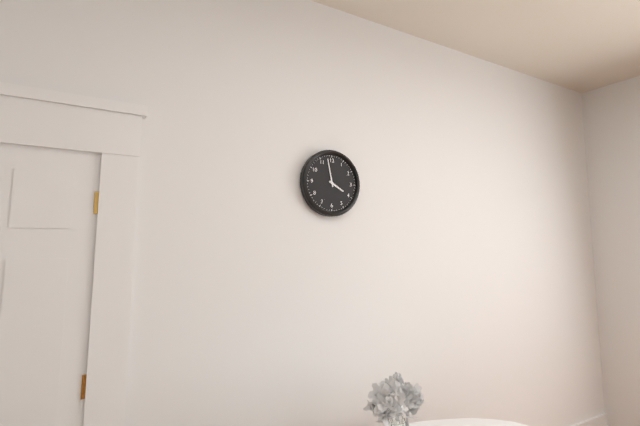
3:58
